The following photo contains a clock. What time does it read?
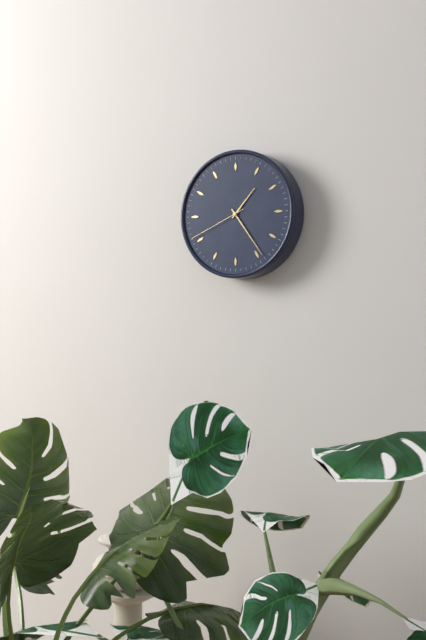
1:24:41
